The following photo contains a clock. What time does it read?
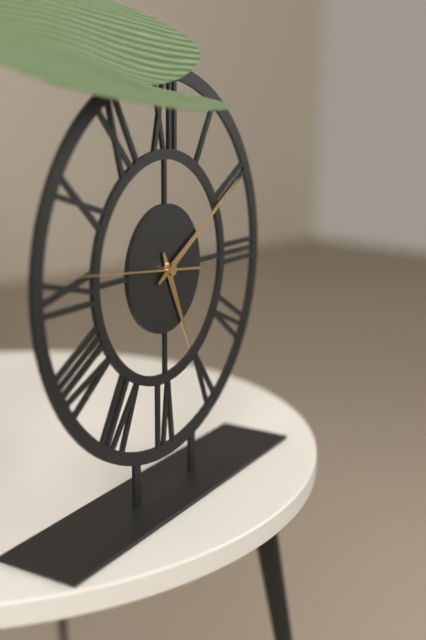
5:10:46
